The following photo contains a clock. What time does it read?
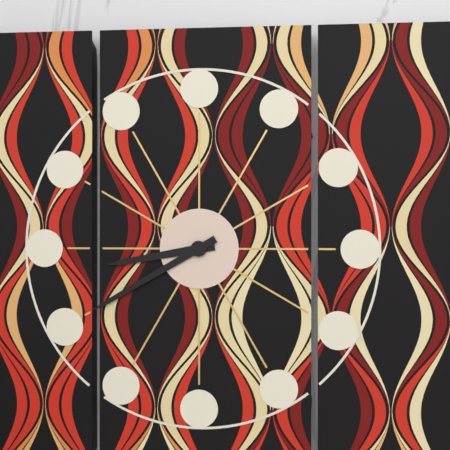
8:40
